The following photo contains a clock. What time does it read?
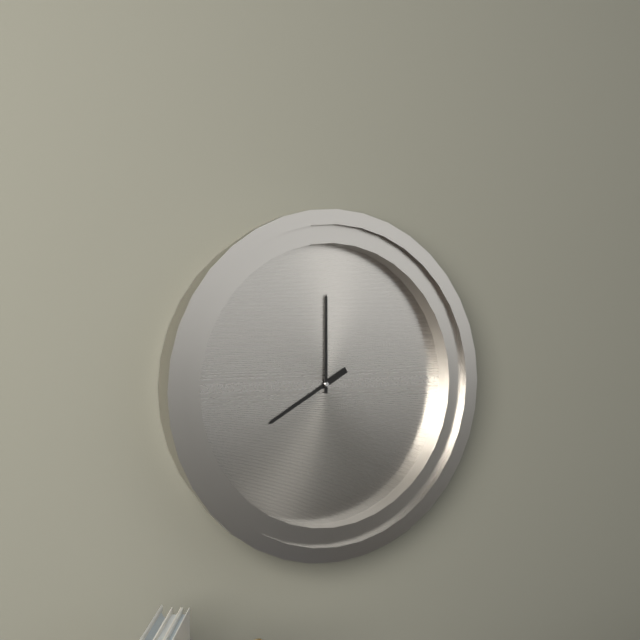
8:00
